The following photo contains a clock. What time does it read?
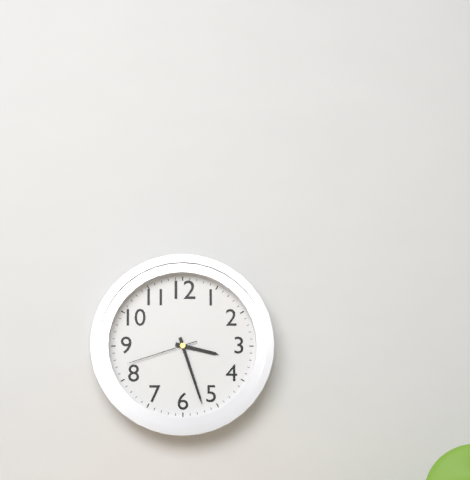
3:27:42
